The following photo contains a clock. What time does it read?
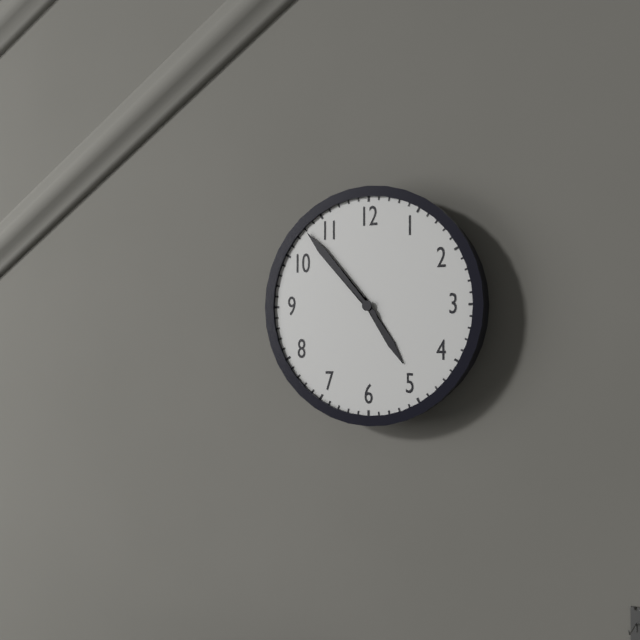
4:53
